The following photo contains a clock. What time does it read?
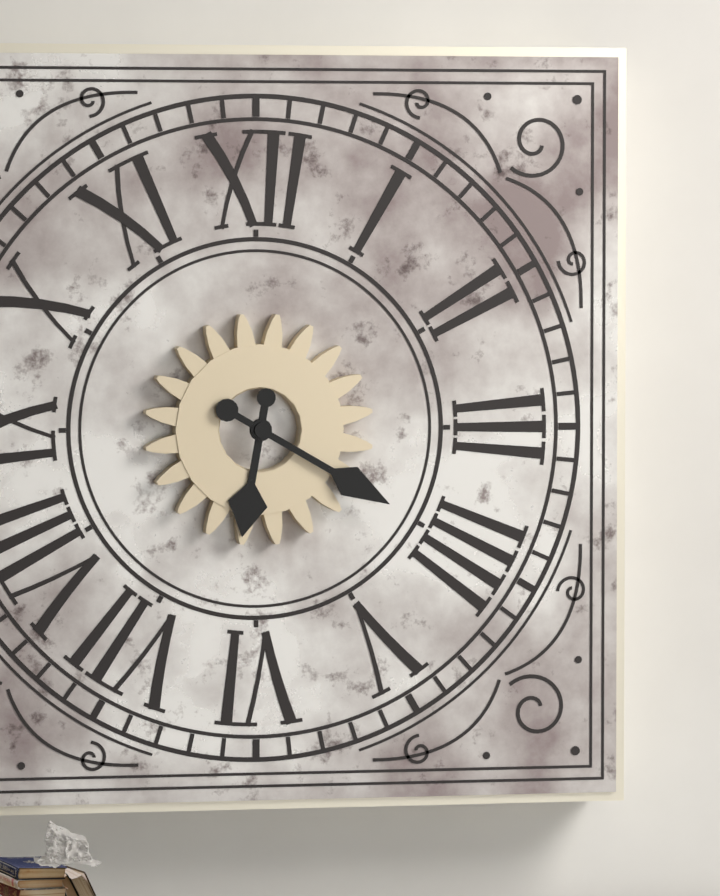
6:20
